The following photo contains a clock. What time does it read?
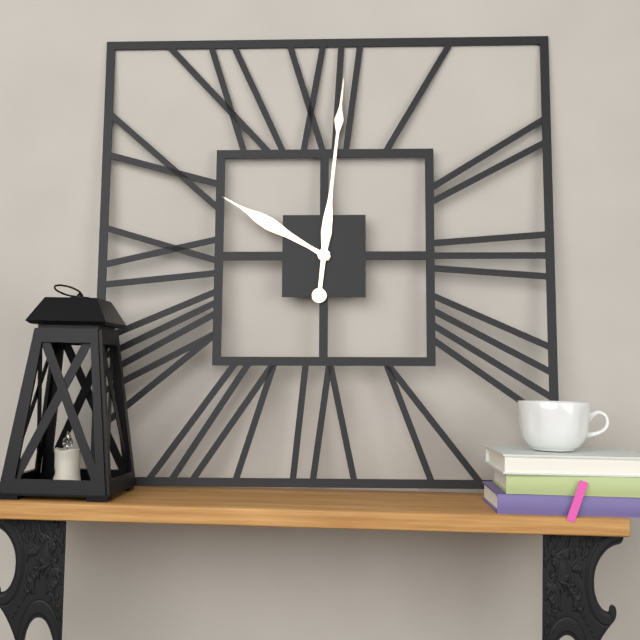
10:01
